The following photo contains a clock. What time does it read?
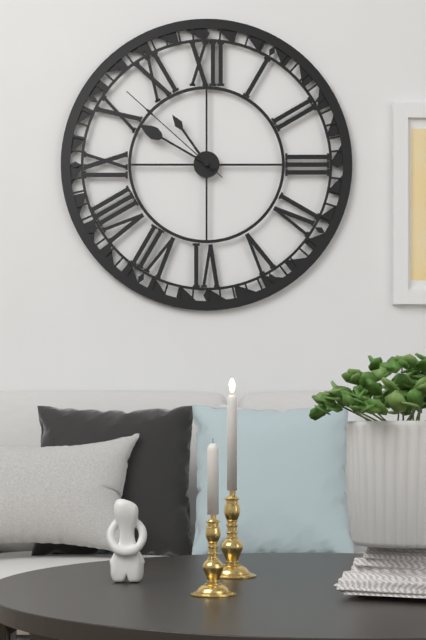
10:50:52
